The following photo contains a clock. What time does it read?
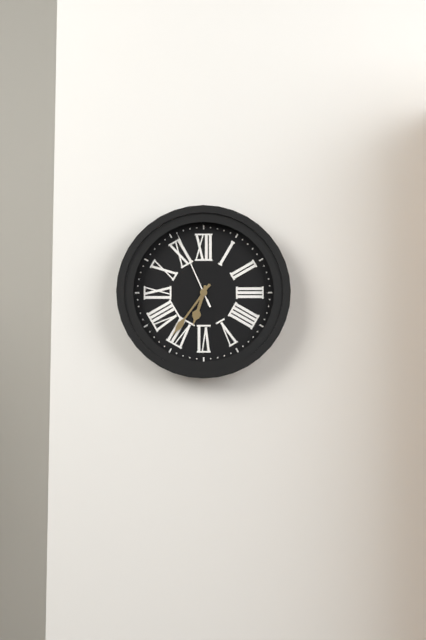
6:36:56
